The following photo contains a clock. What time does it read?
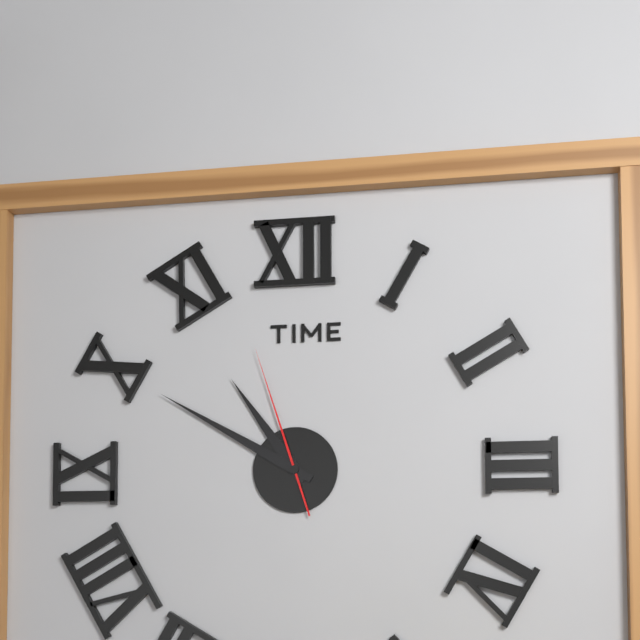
10:50:57
